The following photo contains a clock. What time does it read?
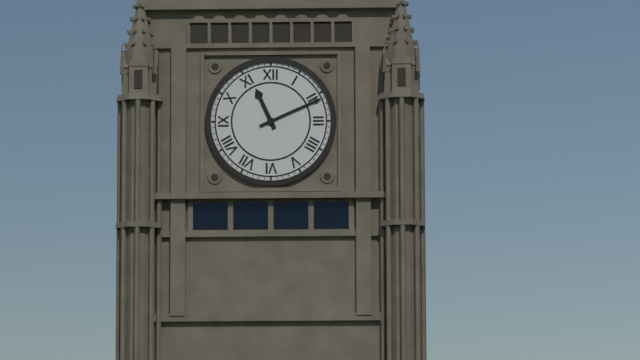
11:11
